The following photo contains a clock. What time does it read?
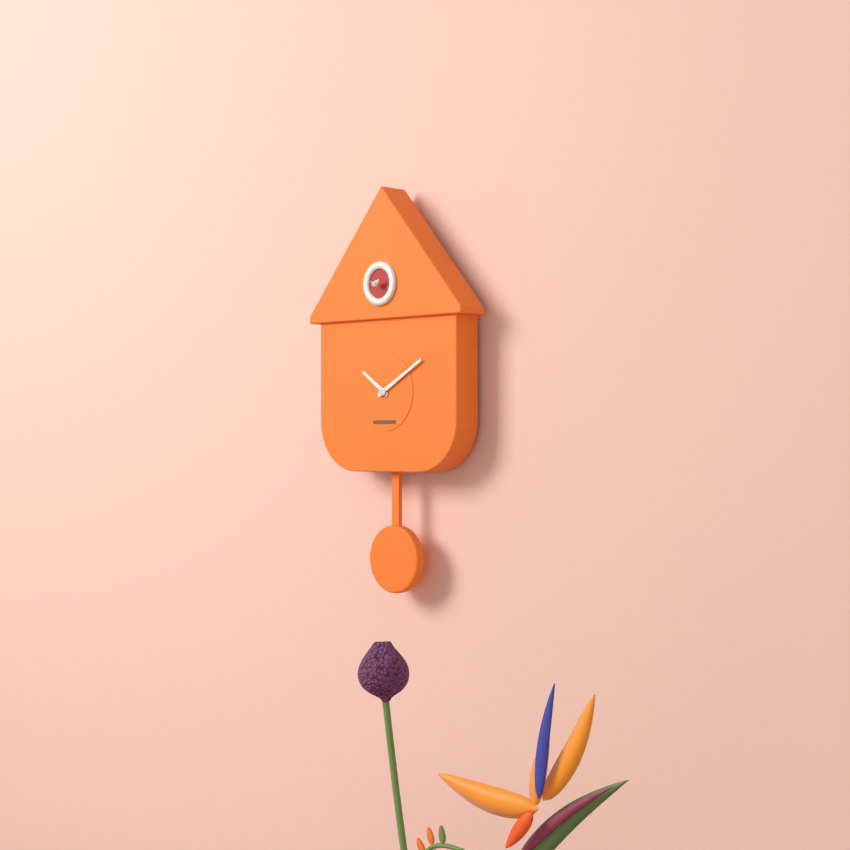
10:10
